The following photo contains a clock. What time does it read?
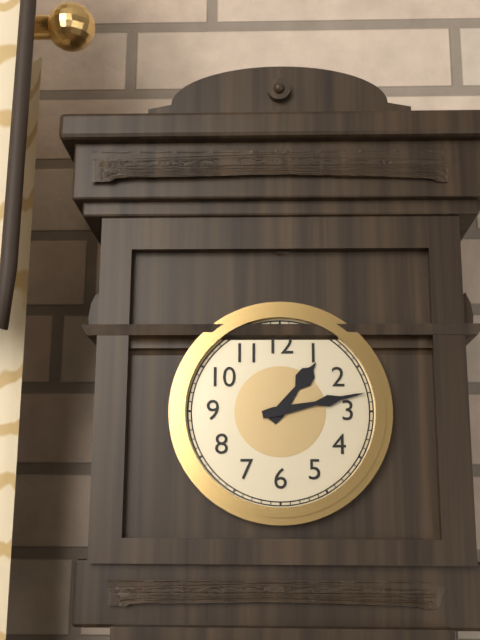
1:13
